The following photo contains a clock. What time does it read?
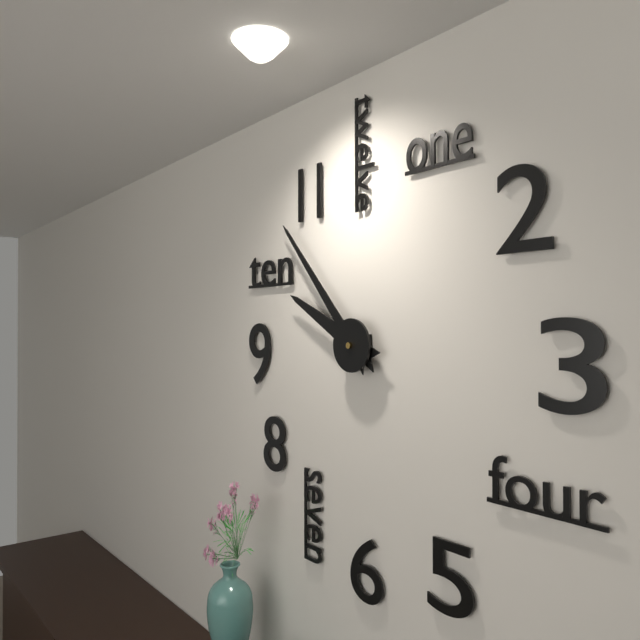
9:53
